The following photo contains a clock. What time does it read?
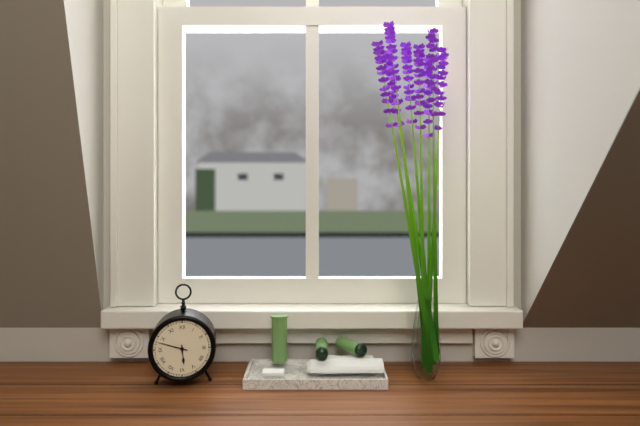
5:48
